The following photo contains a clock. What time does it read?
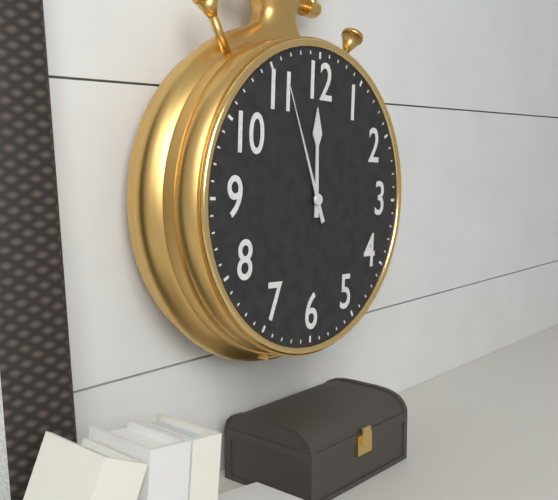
11:56
